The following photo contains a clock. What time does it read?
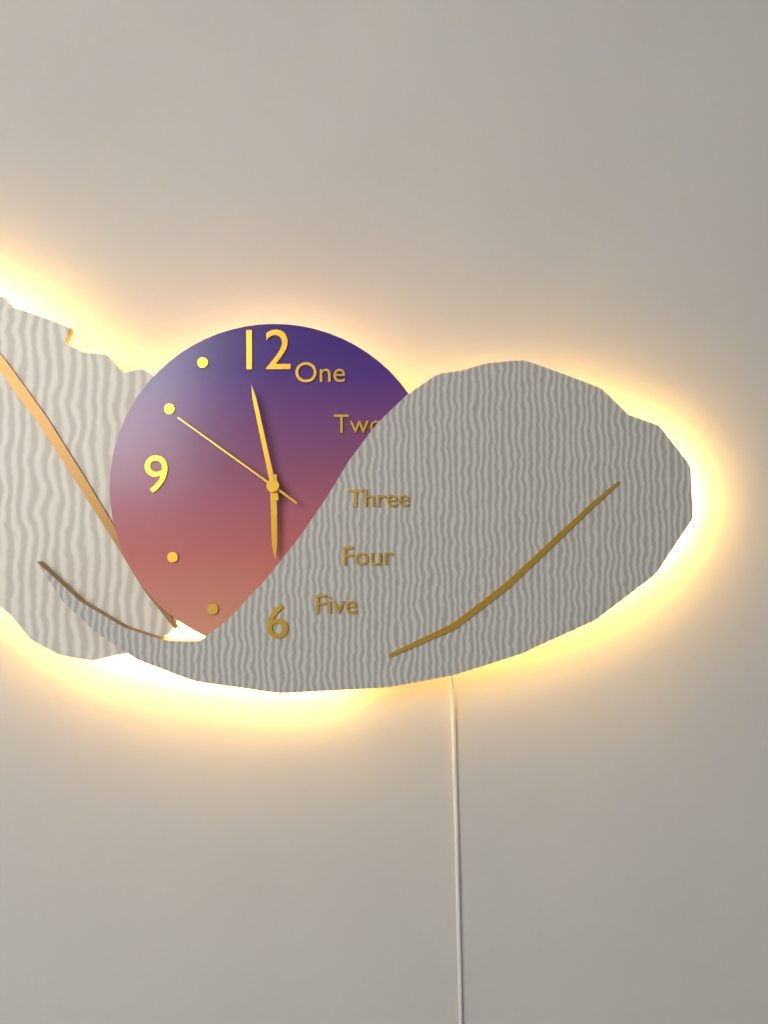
5:58:51
